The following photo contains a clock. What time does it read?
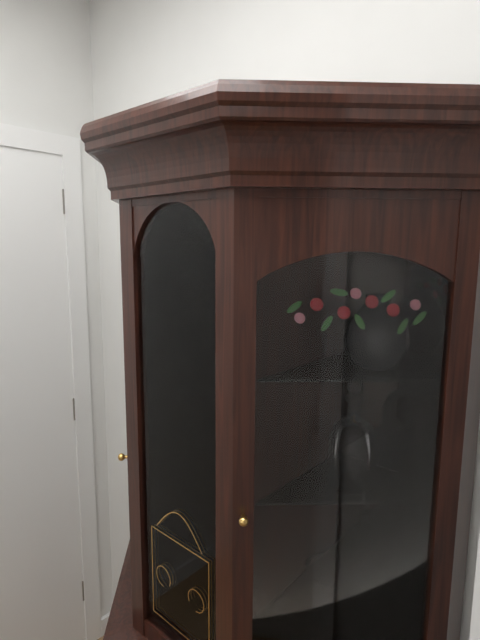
1:22
